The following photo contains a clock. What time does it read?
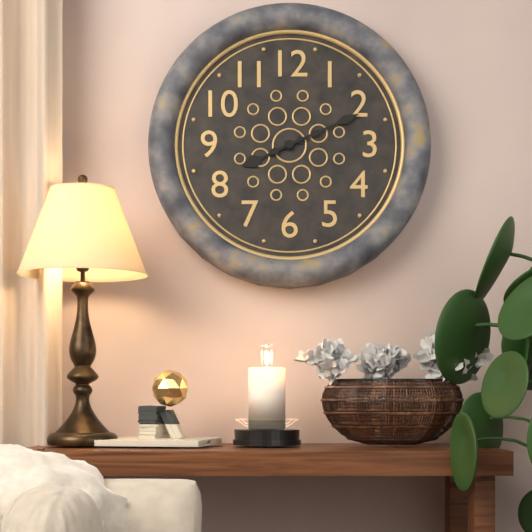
8:11
